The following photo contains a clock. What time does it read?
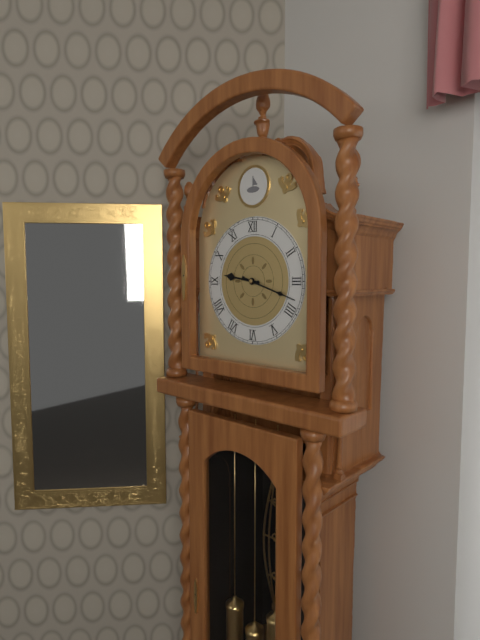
9:18
